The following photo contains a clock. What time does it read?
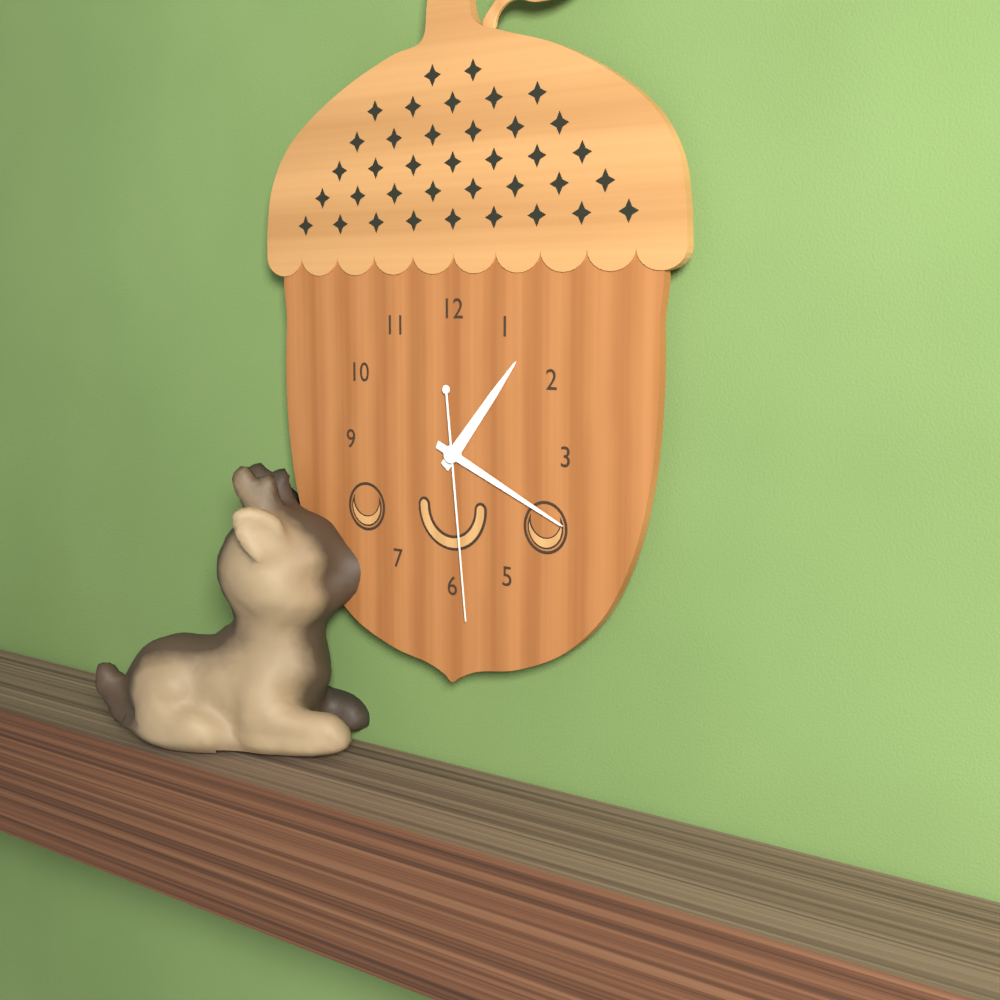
1:19:29
